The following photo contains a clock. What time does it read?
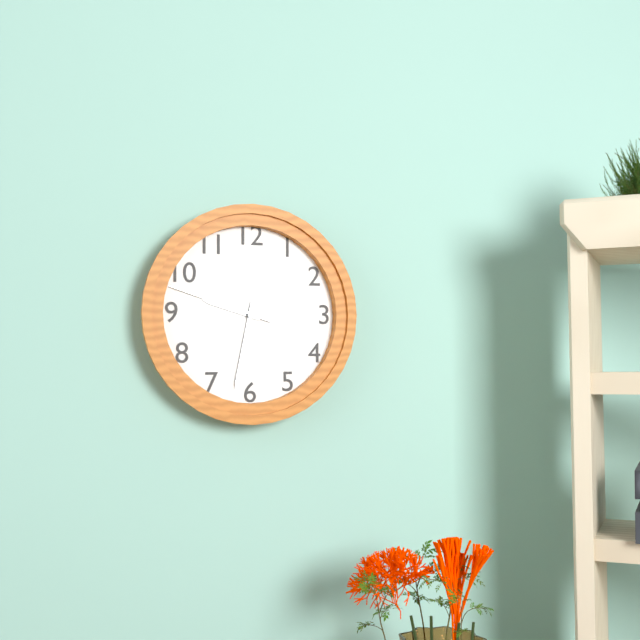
9:32:48
